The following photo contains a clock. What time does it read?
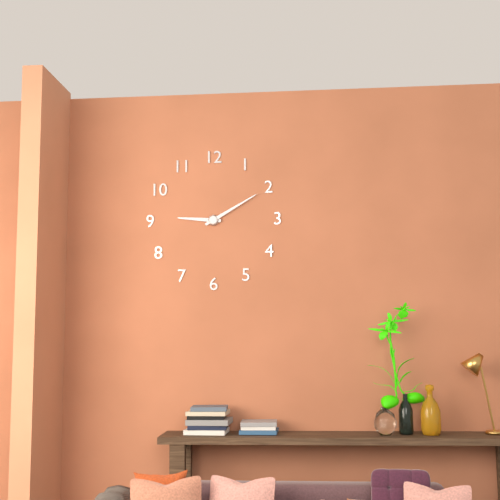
9:10
